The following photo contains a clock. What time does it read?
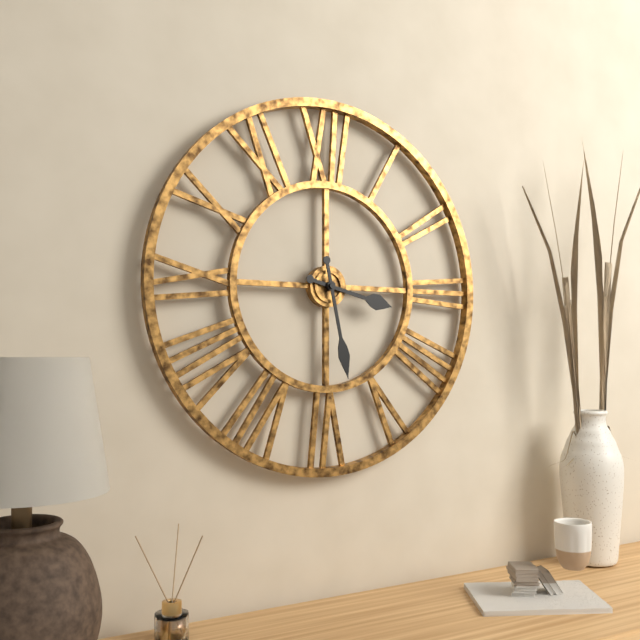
3:28
